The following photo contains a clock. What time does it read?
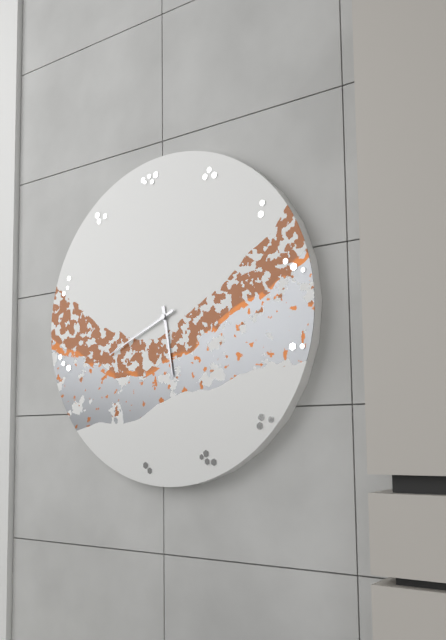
5:41
